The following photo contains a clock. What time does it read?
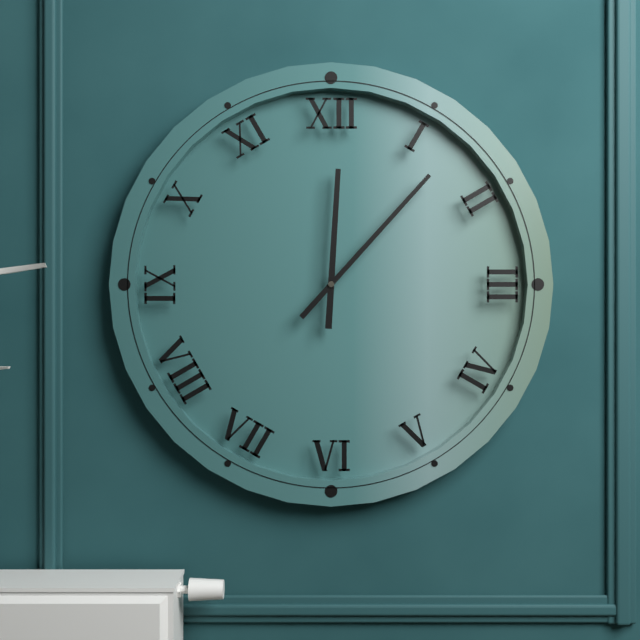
12:07
